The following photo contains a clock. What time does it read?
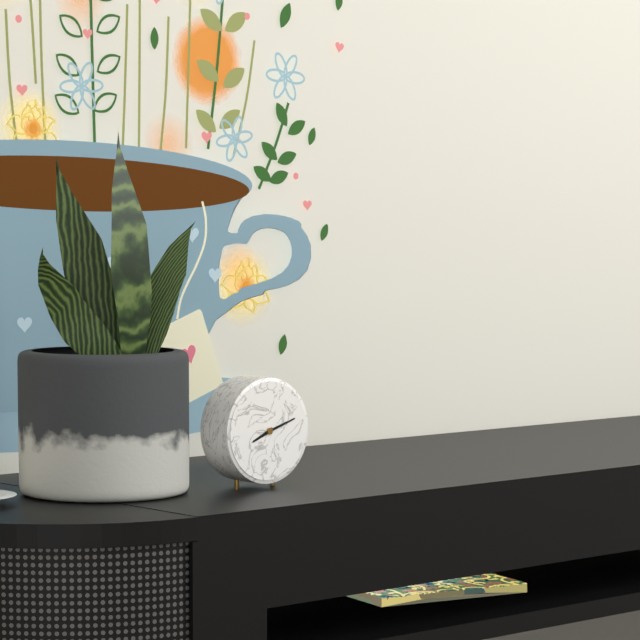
8:12
